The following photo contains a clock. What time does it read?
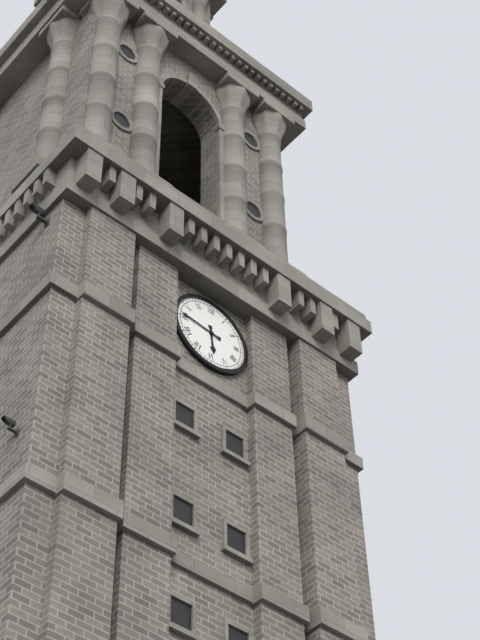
5:46
